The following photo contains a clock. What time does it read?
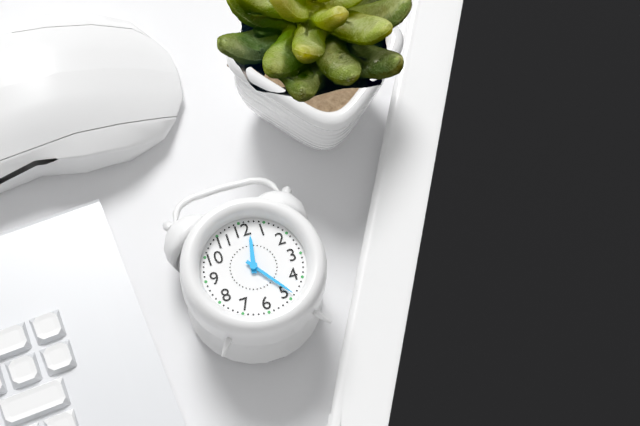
12:24
